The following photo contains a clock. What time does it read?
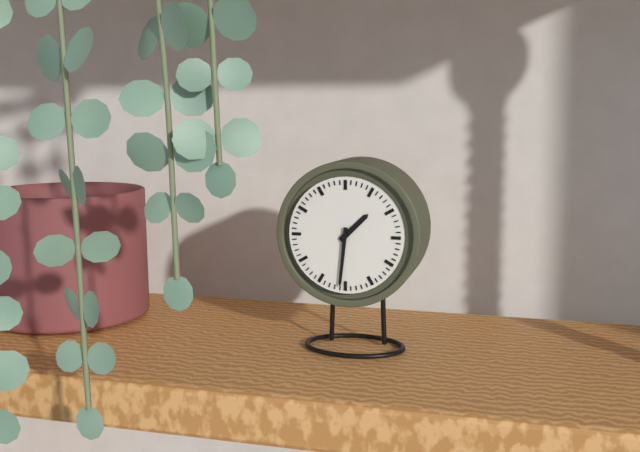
1:31
